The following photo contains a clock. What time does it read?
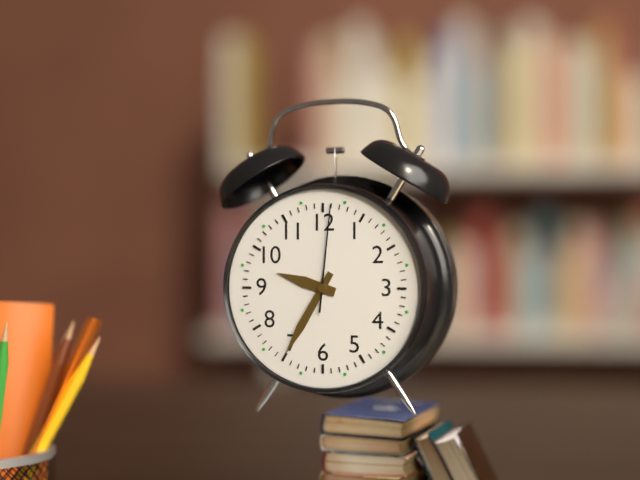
9:35:01
